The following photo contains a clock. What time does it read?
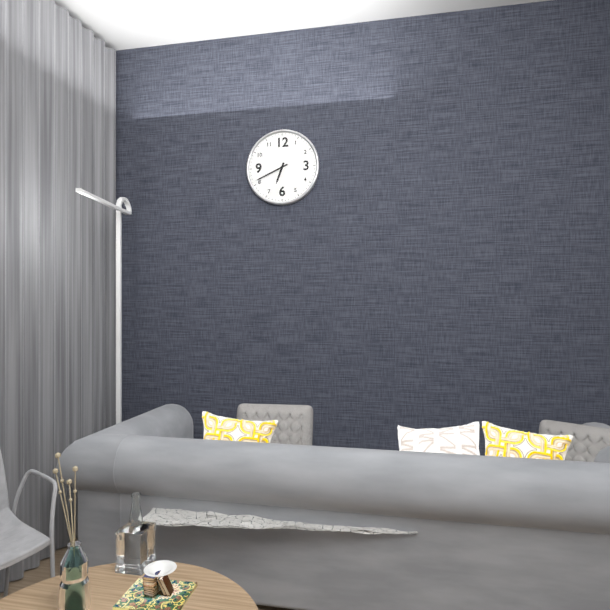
6:41
